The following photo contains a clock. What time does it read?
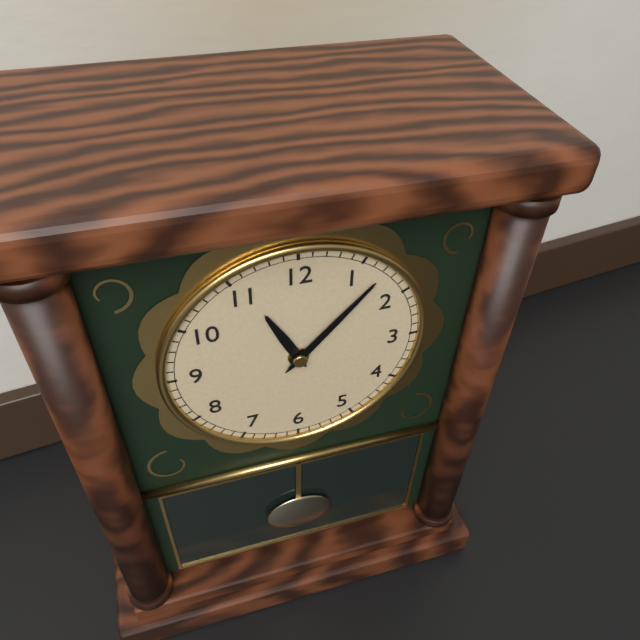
11:07
